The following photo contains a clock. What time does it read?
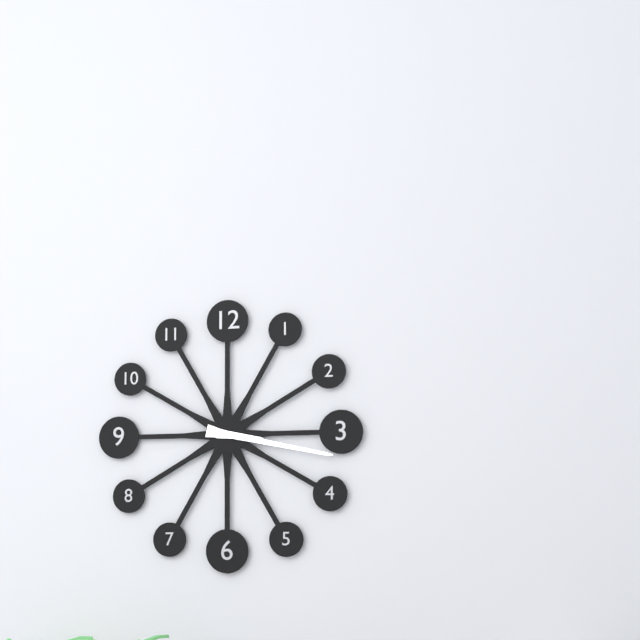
3:17
